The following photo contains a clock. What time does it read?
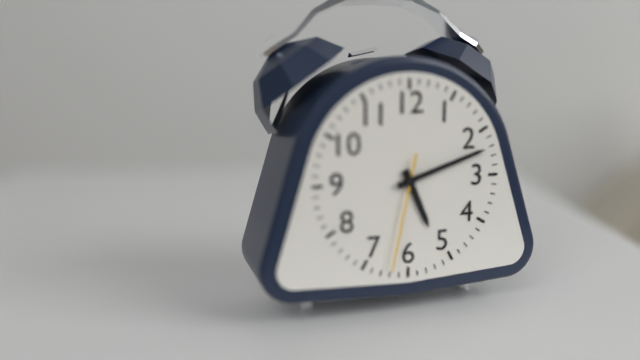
5:12:32
